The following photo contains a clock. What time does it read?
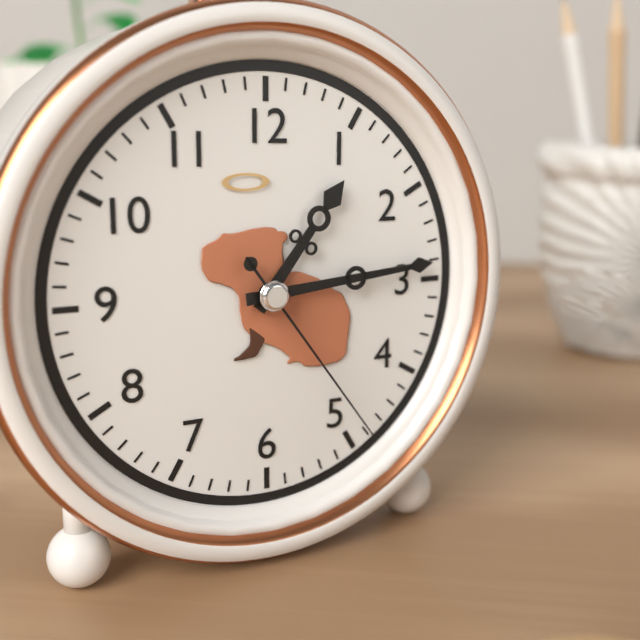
1:14:24
